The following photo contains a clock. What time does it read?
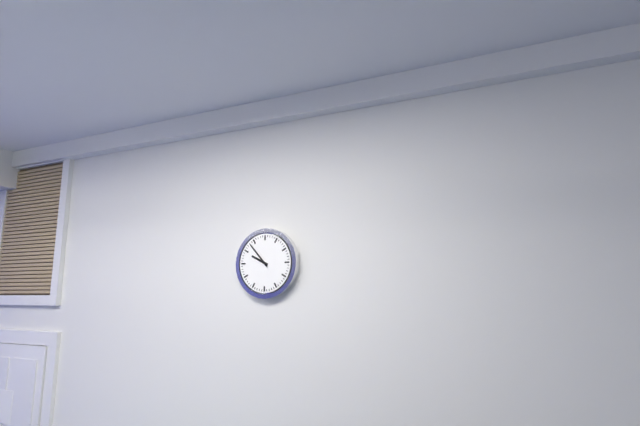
9:53
